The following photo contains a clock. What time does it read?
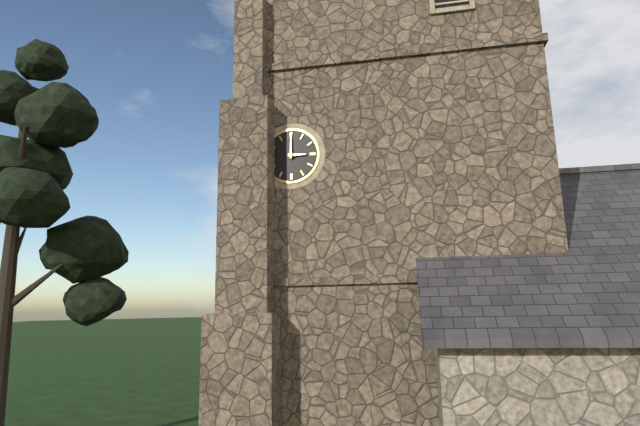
3:00
